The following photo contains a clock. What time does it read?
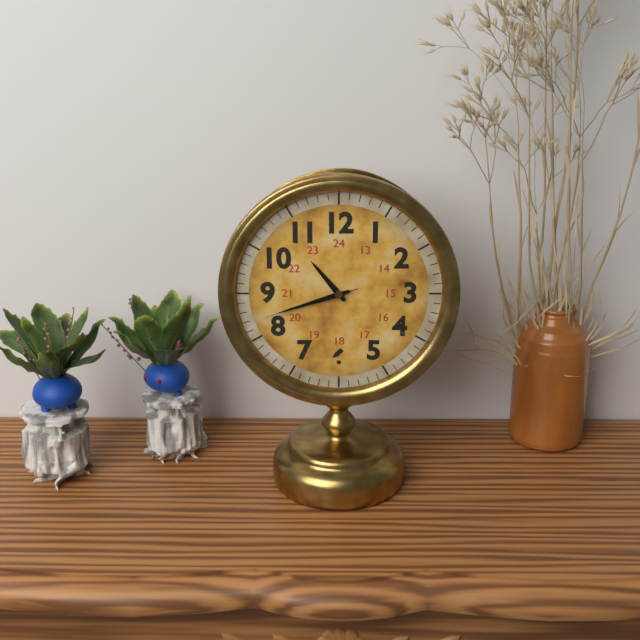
10:42:42
